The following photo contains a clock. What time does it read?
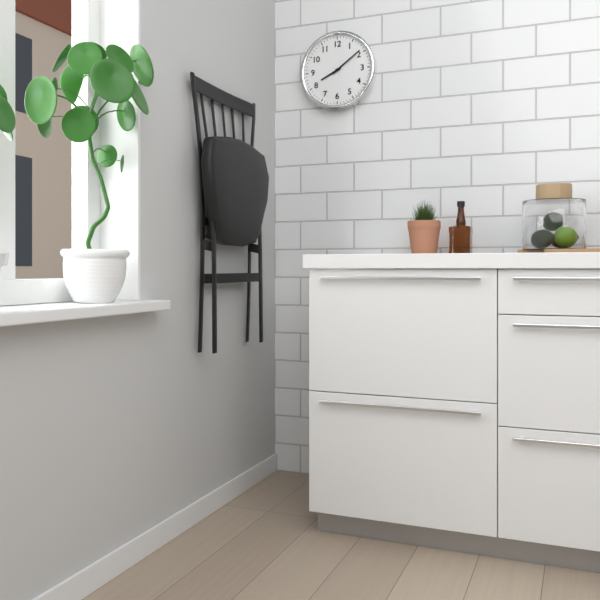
8:09
